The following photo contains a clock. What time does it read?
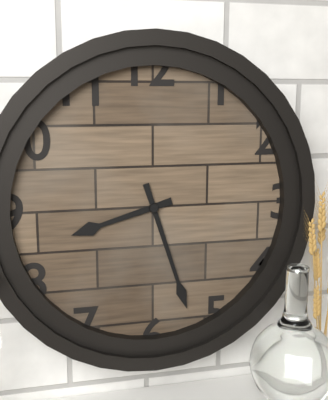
8:27
